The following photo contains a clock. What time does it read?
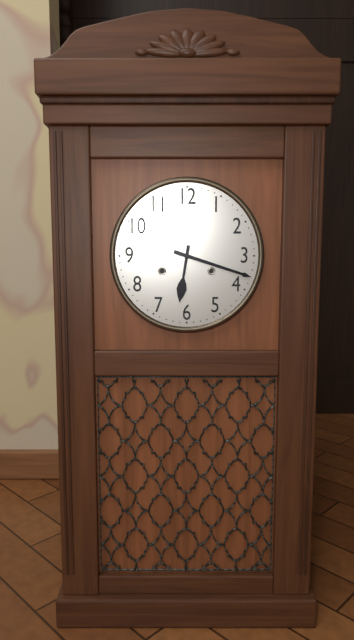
6:18
